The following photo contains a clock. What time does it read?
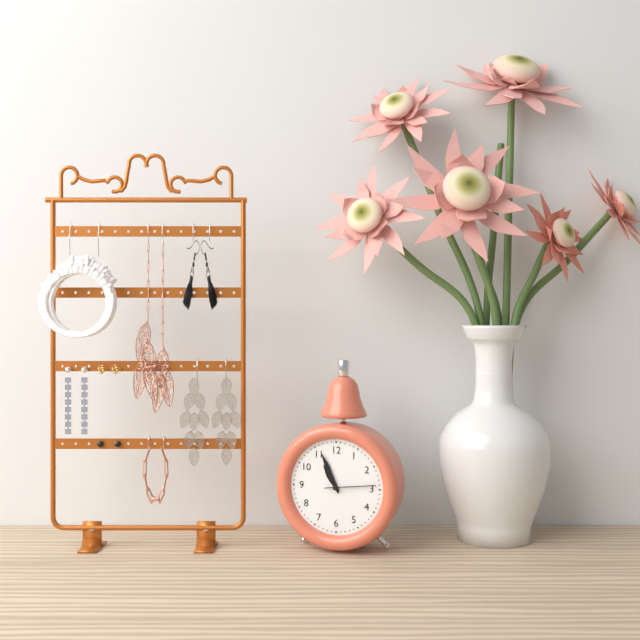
10:56:14
